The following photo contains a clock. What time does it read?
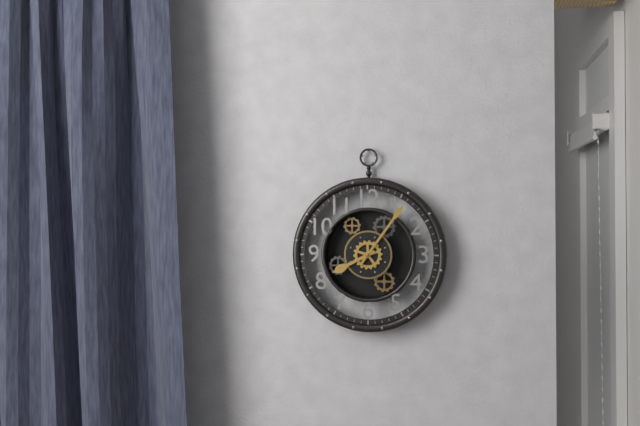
8:06
